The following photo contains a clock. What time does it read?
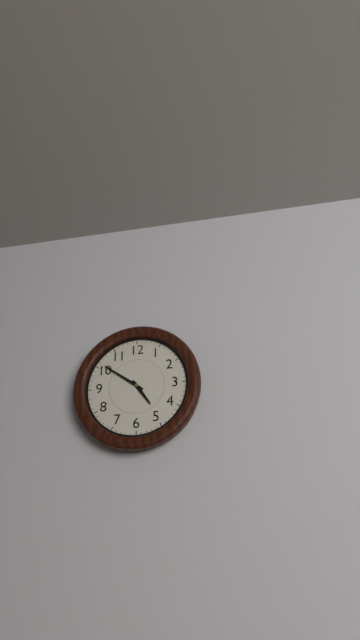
4:51
